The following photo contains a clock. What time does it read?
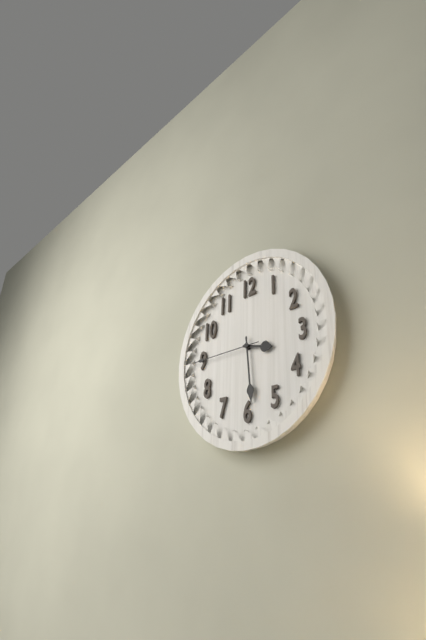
3:29:45
